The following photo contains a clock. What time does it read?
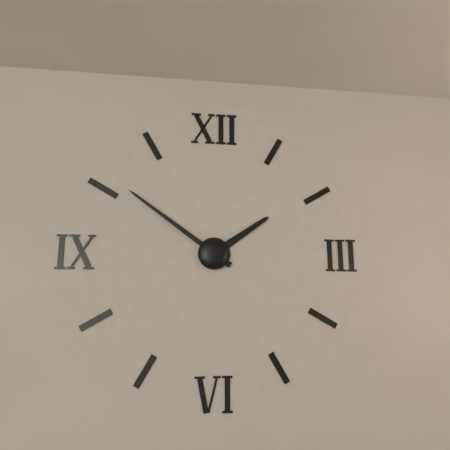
1:51
